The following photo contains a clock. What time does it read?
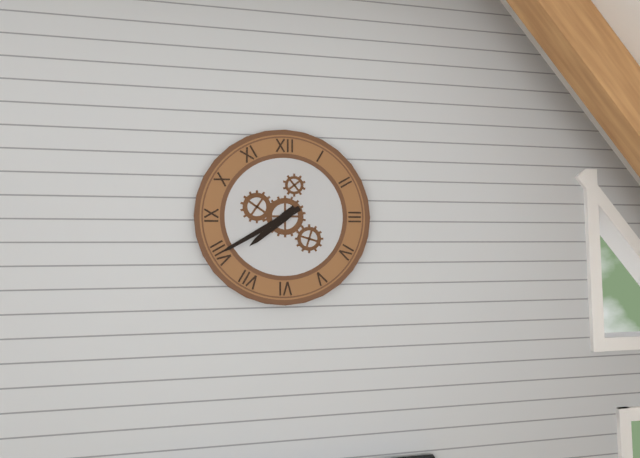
7:40
